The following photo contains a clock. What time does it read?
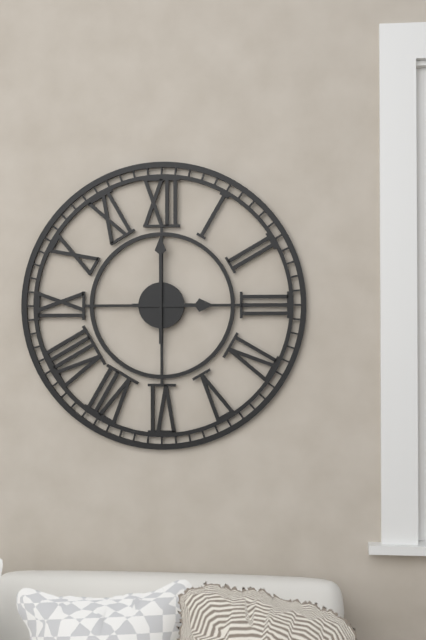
3:00
